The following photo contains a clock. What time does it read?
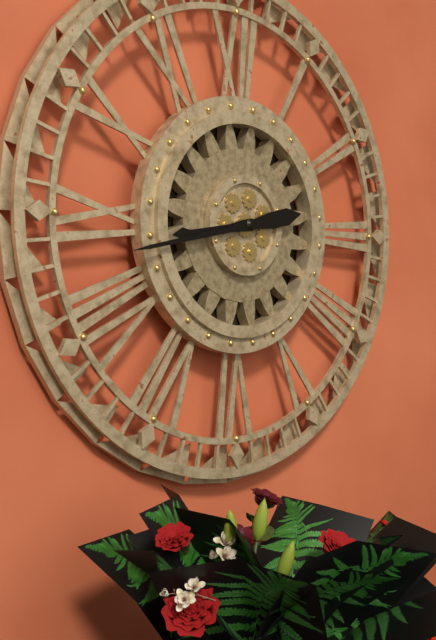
8:43
